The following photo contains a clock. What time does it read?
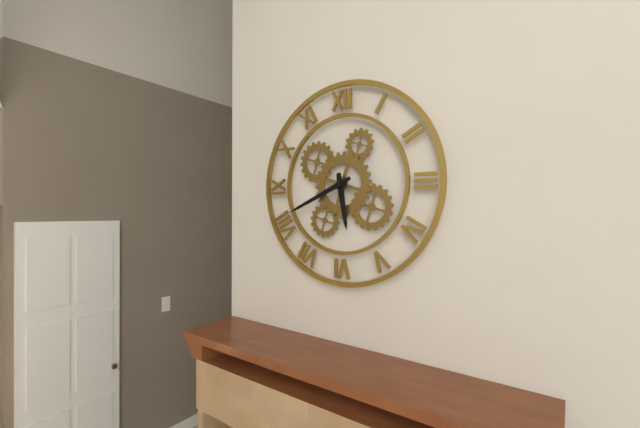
5:41
